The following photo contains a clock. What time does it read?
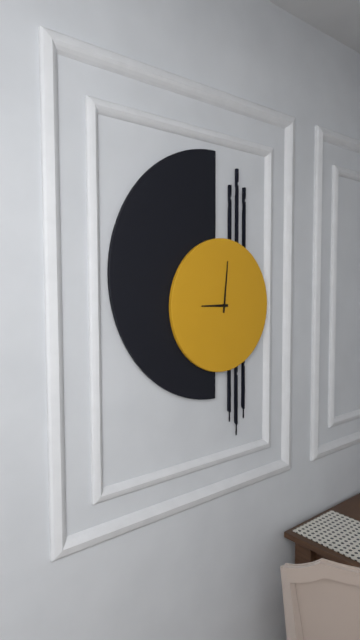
9:01
